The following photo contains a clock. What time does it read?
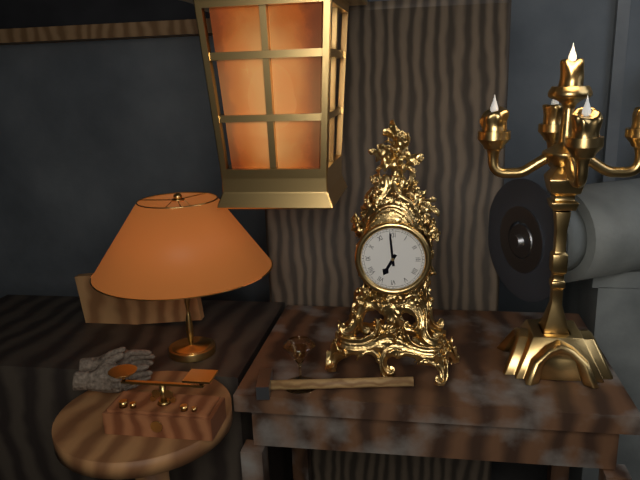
6:59
